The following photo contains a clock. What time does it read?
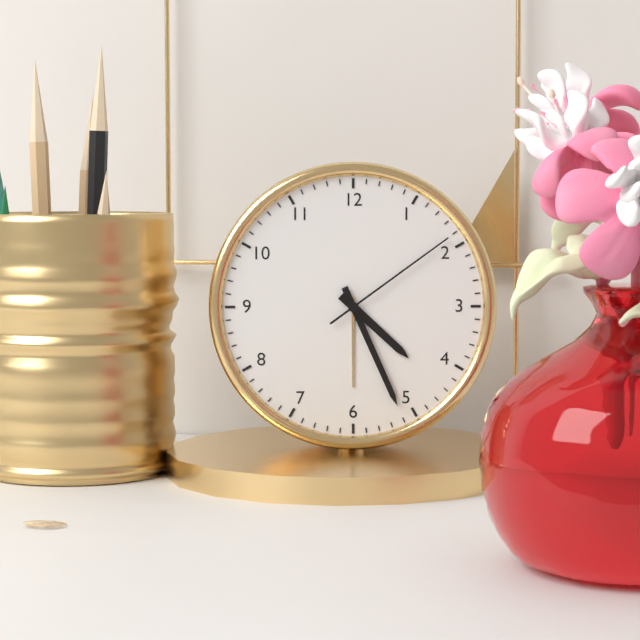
4:26:09
